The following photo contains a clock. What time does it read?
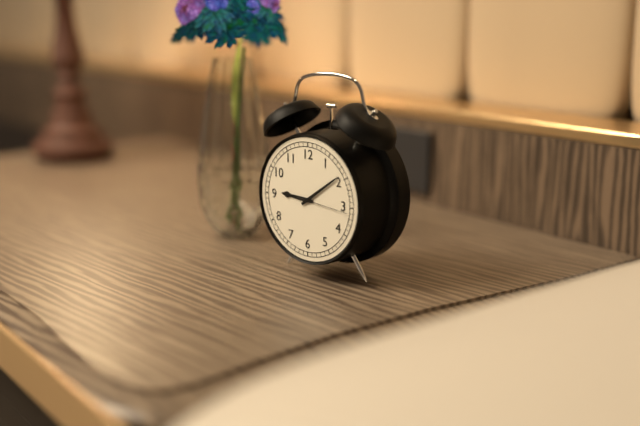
9:09:16
